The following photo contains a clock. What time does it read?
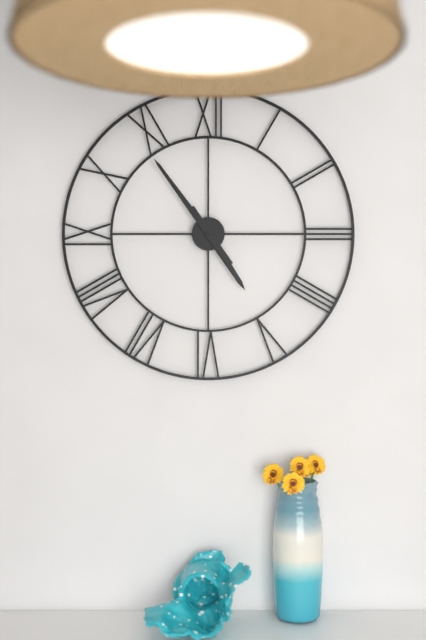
4:54
